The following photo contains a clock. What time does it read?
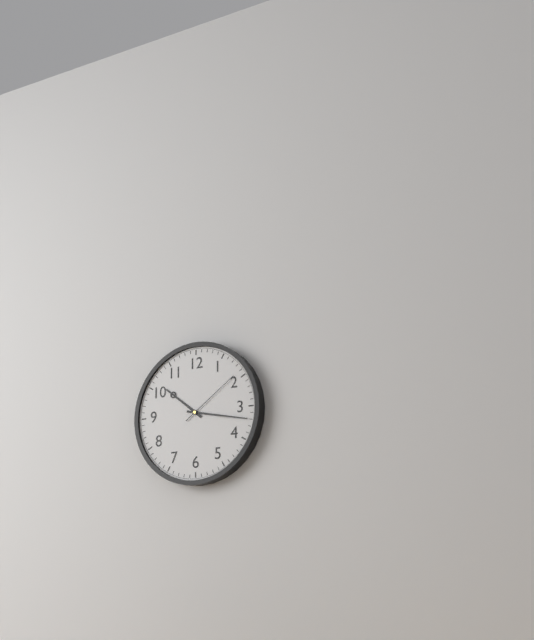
10:17:09
